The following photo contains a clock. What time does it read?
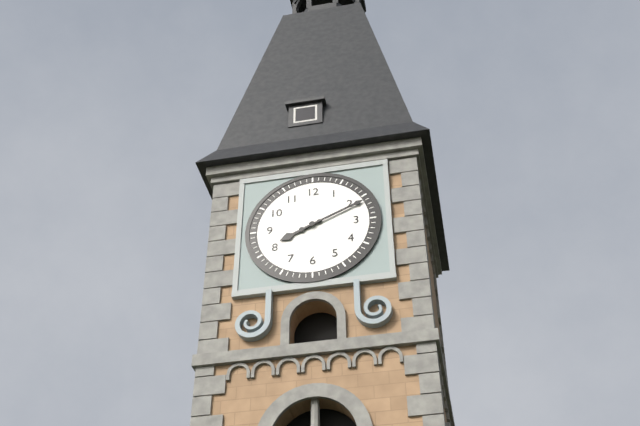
8:11
